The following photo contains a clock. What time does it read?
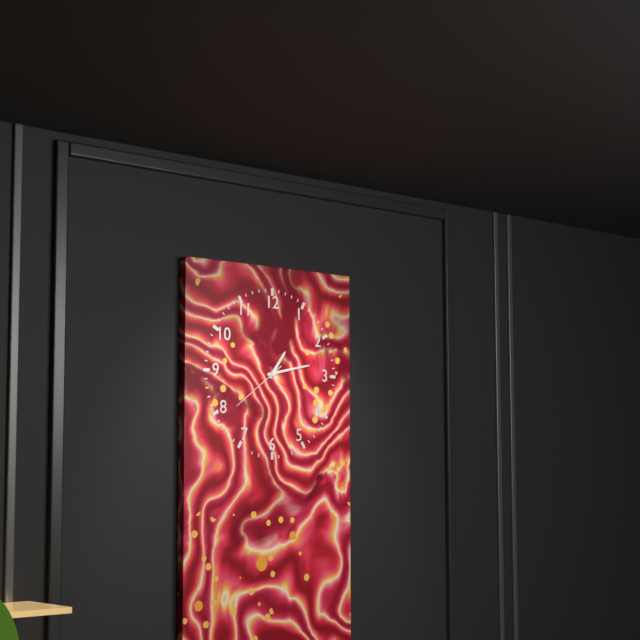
1:13:39
